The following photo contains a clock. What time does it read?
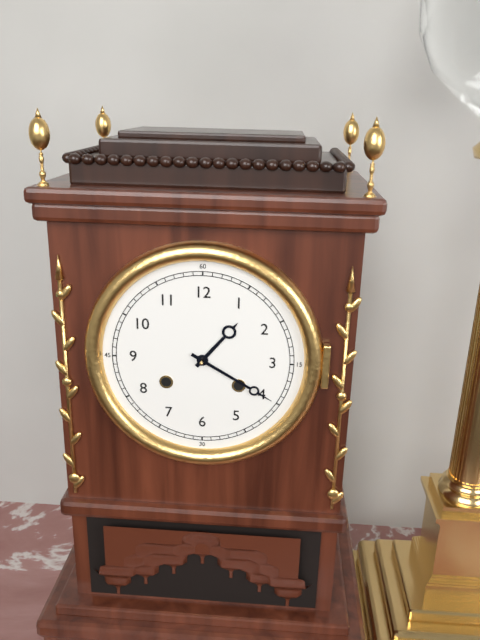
1:20
